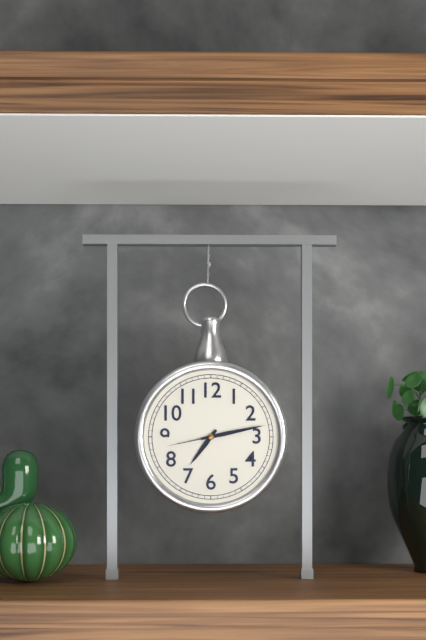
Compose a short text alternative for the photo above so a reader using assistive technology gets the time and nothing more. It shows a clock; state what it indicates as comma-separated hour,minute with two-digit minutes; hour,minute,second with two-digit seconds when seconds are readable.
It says 7,13,43
